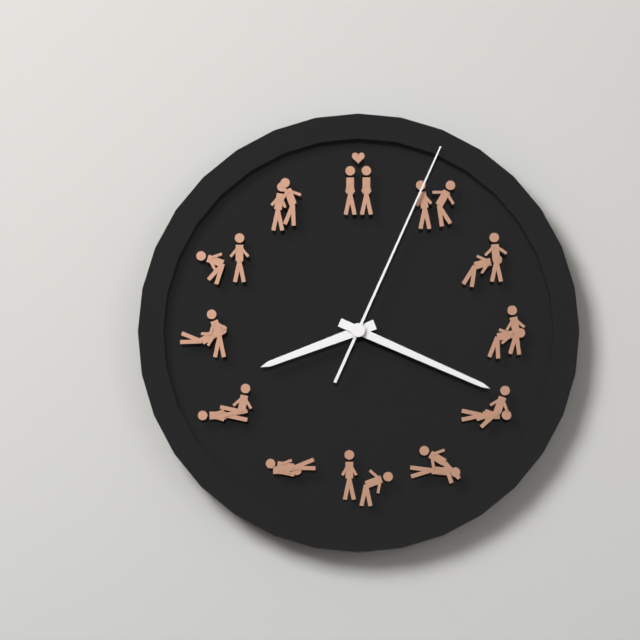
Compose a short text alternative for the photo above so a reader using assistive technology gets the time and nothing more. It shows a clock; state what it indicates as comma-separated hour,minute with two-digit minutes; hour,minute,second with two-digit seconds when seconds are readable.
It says 8,19,04
